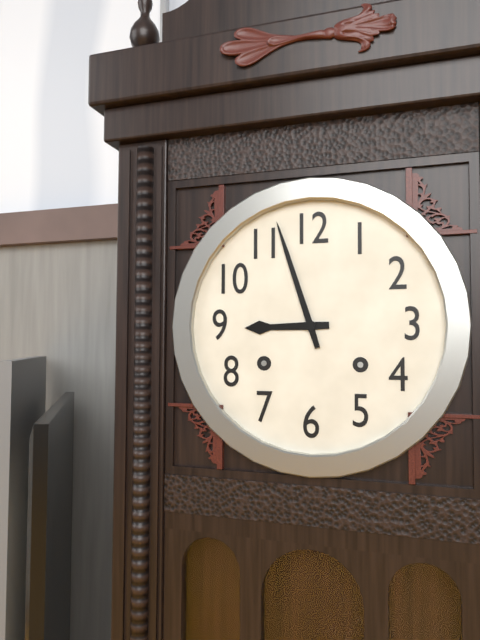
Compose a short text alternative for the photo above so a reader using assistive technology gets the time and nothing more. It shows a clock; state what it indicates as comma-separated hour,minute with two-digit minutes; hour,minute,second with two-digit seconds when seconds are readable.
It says 8,57
